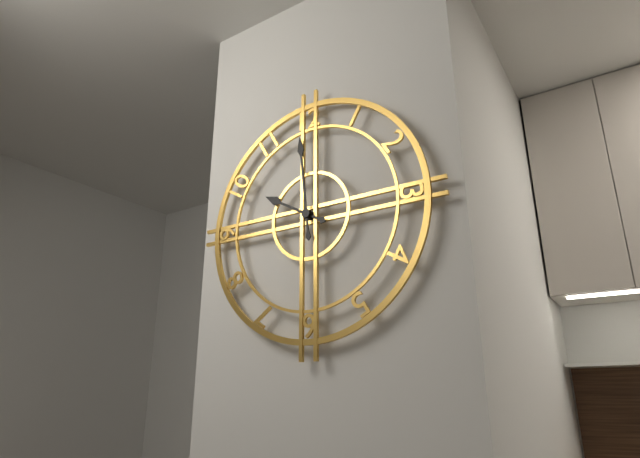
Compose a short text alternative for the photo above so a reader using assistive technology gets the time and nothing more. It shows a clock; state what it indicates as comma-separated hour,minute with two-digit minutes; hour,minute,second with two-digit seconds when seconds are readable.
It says 9,59
